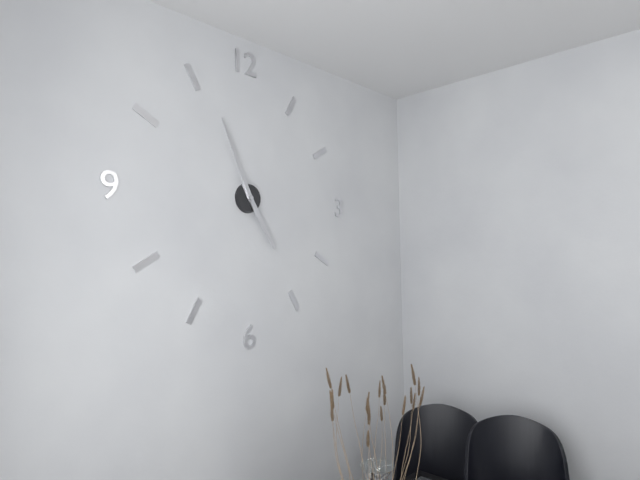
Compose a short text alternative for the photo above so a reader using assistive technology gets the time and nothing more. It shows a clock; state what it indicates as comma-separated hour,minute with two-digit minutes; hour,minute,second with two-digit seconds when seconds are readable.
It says 4,56
